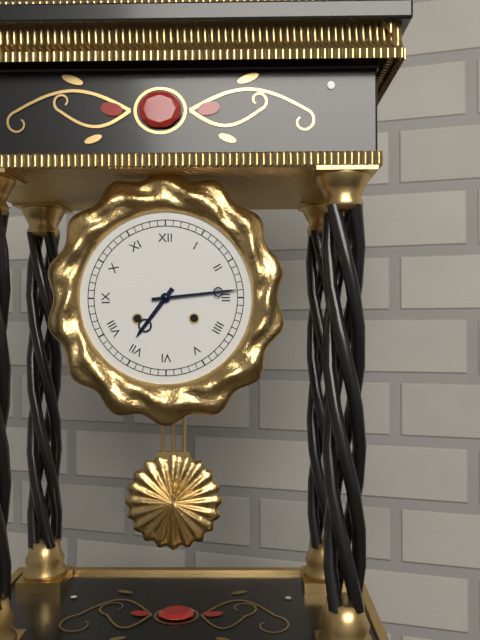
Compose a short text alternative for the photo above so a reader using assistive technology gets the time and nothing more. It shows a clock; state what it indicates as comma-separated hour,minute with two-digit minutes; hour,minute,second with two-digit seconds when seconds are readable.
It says 7,14
